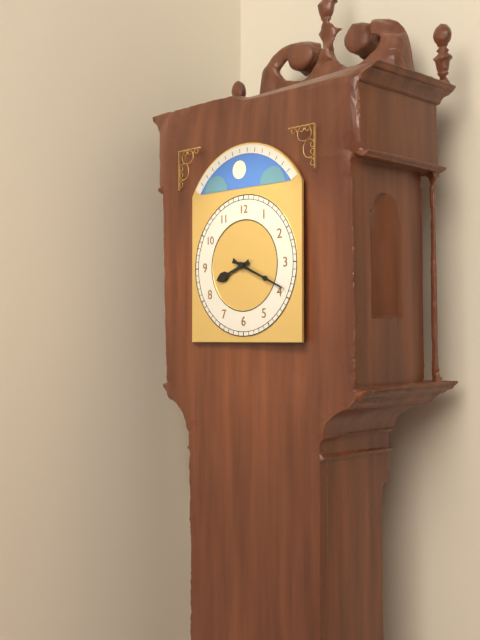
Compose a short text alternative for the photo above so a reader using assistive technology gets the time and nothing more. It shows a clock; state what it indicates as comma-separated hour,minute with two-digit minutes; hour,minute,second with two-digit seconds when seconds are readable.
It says 8,19
